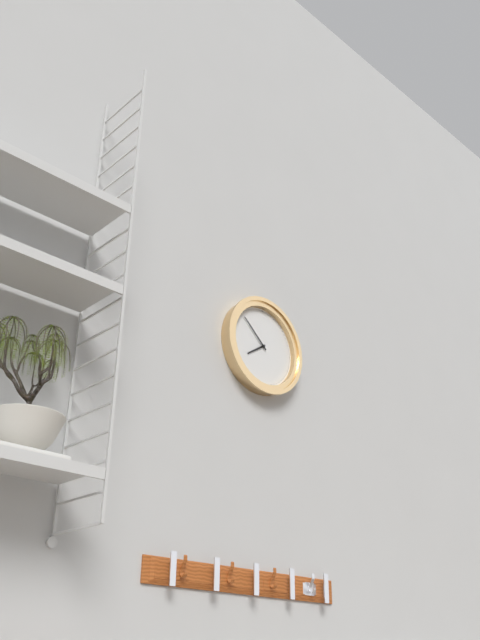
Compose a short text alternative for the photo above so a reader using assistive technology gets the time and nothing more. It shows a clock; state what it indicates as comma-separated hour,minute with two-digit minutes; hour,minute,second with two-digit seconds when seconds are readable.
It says 7,52
